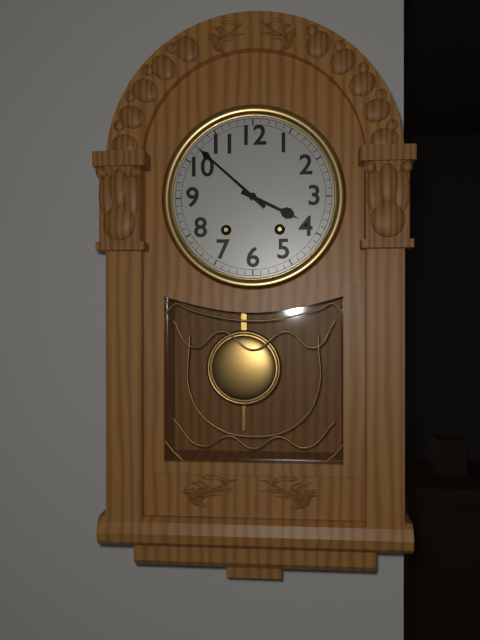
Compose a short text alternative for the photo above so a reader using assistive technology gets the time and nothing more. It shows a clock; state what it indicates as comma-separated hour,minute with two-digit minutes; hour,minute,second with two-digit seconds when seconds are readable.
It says 3,52
